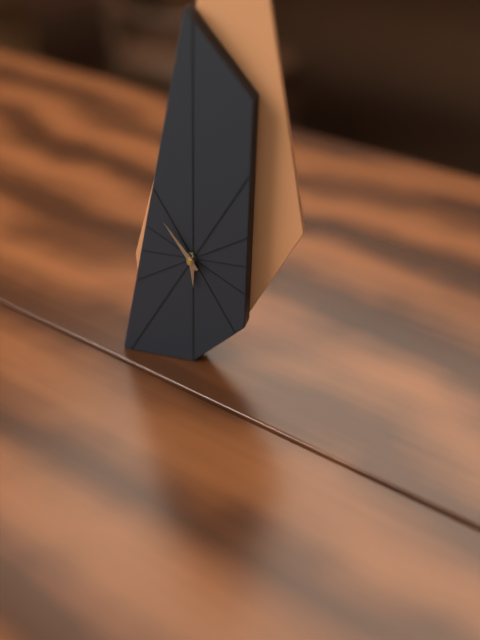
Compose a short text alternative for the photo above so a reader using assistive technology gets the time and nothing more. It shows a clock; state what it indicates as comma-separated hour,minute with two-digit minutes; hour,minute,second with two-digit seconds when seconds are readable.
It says 5,54
